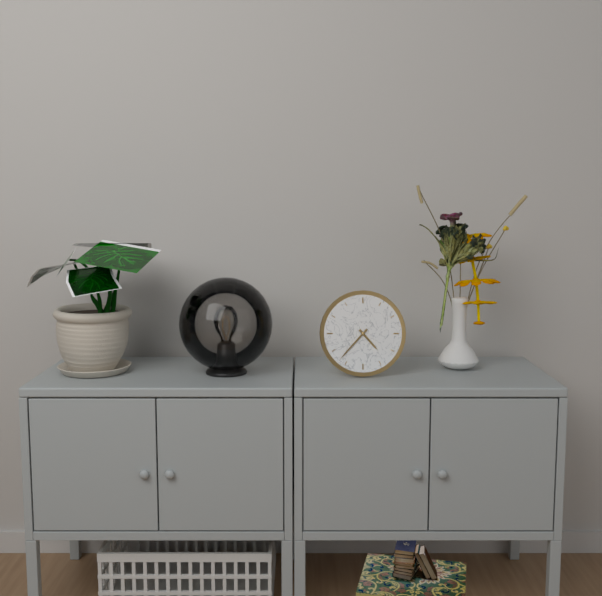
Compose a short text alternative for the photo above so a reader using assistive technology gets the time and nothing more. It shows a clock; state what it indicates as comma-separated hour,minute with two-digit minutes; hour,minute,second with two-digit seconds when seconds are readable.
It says 4,37
